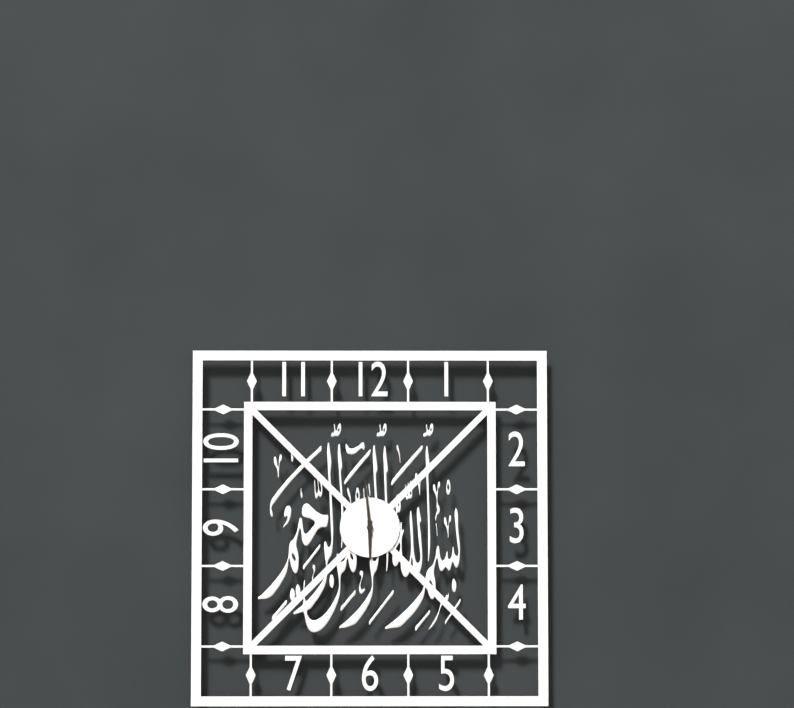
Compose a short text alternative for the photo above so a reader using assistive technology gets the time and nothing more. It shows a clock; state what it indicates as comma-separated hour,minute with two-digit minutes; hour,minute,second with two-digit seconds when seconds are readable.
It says 5,59
